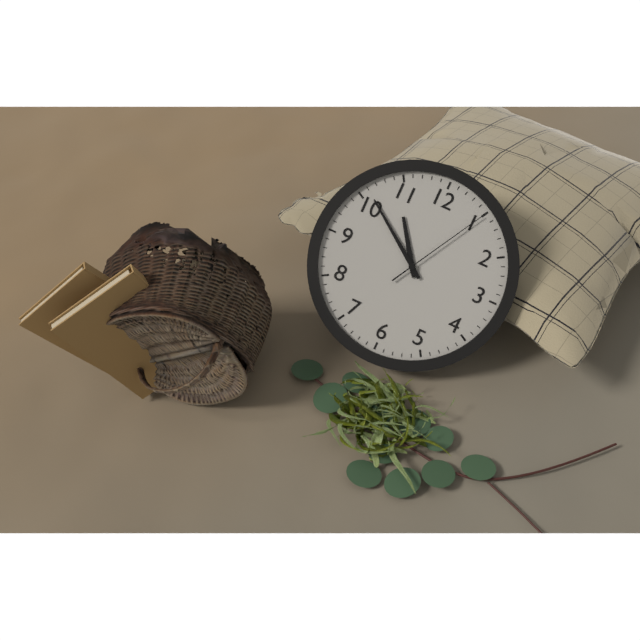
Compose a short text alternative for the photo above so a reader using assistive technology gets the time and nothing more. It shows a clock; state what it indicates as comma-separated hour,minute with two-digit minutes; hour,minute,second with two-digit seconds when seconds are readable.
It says 10,51,05
